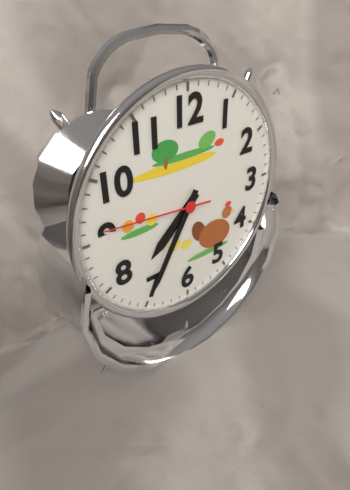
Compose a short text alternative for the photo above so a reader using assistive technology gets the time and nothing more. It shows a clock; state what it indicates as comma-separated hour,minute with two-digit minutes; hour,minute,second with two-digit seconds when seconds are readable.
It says 7,35,46
